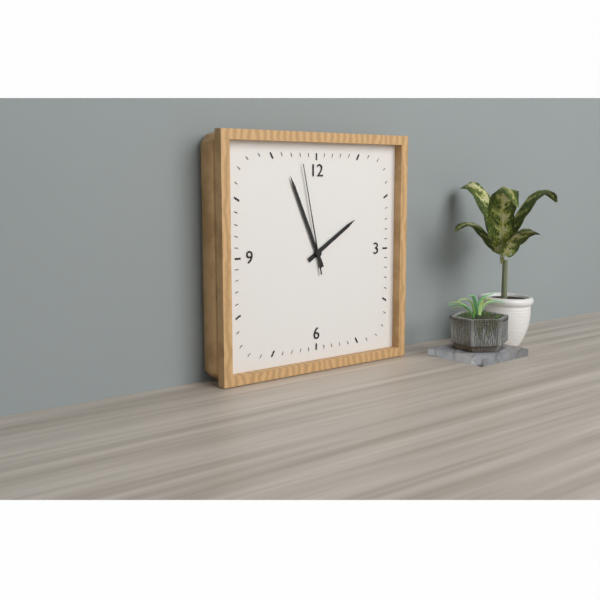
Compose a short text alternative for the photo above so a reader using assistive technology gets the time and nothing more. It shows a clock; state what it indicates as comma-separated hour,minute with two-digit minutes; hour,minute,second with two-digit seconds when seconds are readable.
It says 1,56,58
